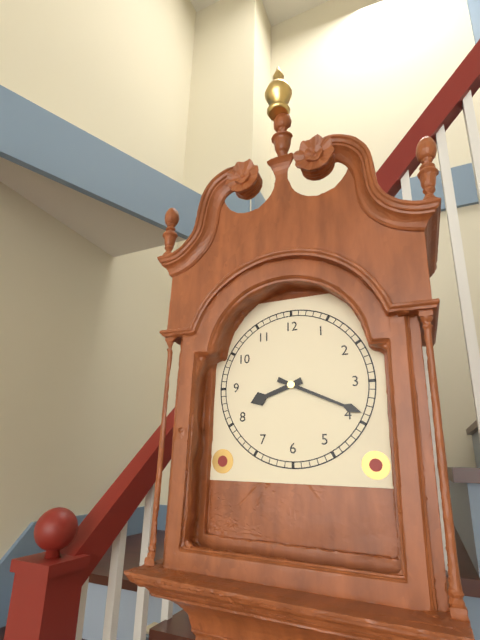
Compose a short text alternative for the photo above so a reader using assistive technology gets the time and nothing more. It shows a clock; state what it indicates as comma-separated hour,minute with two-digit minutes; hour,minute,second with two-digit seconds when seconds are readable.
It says 8,19
